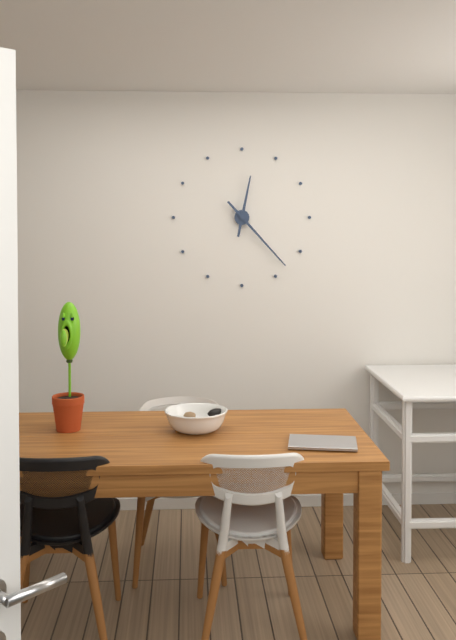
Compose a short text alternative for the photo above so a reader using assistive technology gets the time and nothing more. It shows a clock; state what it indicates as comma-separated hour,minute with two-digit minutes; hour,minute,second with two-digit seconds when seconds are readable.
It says 12,23
